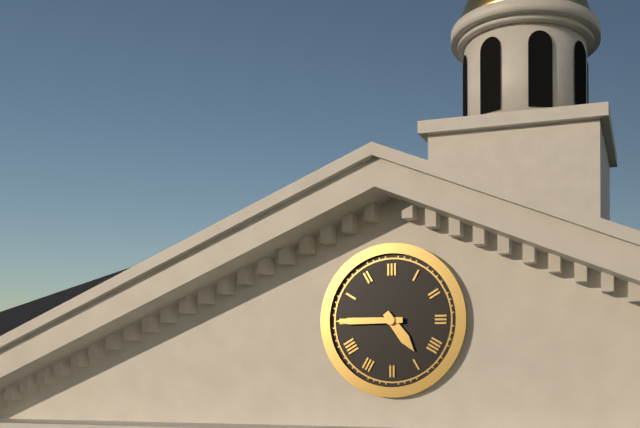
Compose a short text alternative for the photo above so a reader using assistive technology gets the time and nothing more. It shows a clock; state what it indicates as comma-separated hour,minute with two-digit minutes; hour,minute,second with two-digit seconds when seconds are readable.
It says 4,45
